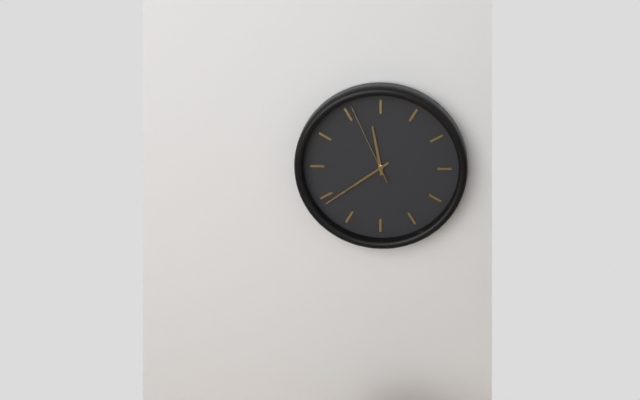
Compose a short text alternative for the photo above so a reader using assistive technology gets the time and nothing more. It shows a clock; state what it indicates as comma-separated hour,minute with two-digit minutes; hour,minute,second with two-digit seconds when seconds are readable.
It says 11,39,56
